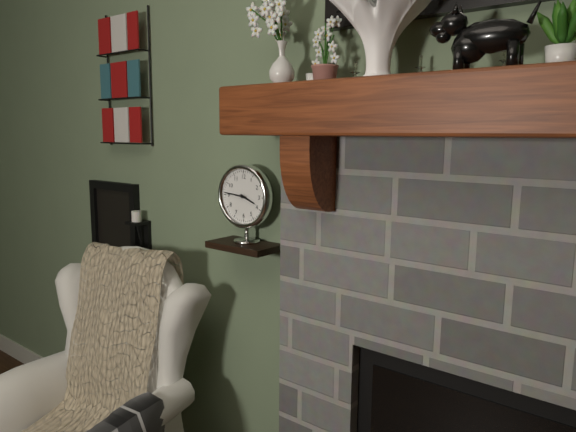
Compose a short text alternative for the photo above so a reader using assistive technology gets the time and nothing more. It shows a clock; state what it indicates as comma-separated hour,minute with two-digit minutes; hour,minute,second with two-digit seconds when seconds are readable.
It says 3,46
